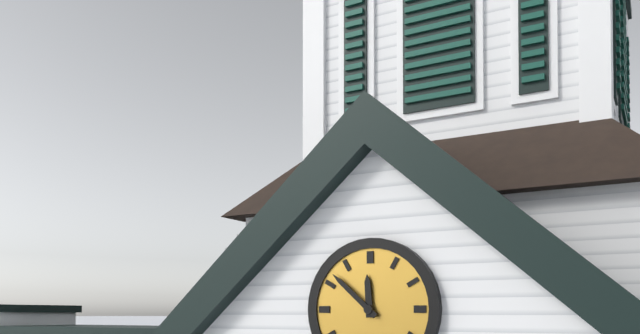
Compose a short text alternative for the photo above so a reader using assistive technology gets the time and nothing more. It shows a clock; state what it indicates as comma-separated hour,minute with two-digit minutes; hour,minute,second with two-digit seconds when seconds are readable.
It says 11,52
